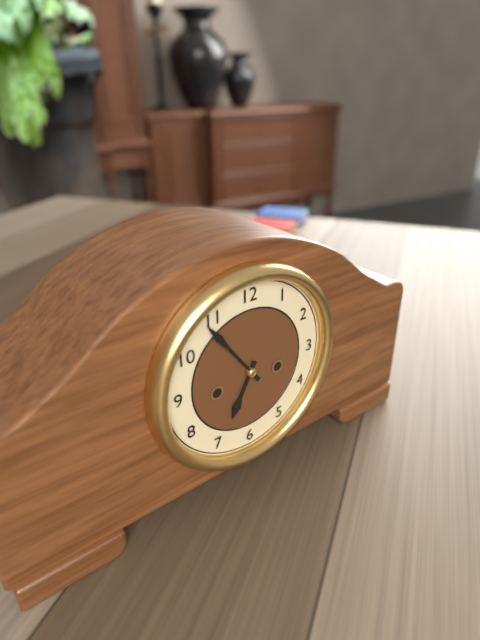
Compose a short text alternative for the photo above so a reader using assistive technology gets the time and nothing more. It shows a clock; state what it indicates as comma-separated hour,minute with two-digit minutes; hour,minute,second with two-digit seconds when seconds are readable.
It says 6,54
